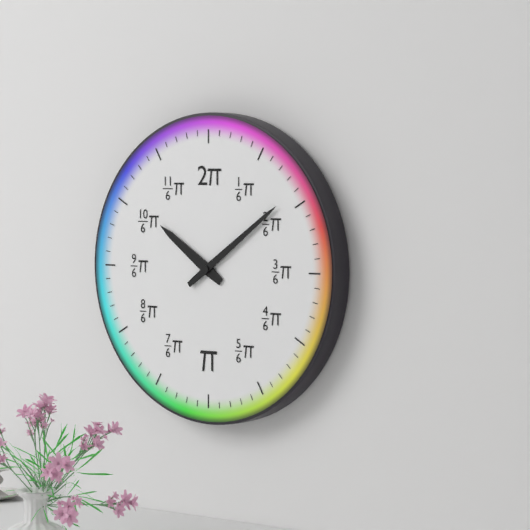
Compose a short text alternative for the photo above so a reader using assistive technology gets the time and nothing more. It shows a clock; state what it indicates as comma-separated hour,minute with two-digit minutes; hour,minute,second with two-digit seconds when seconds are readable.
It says 10,09
